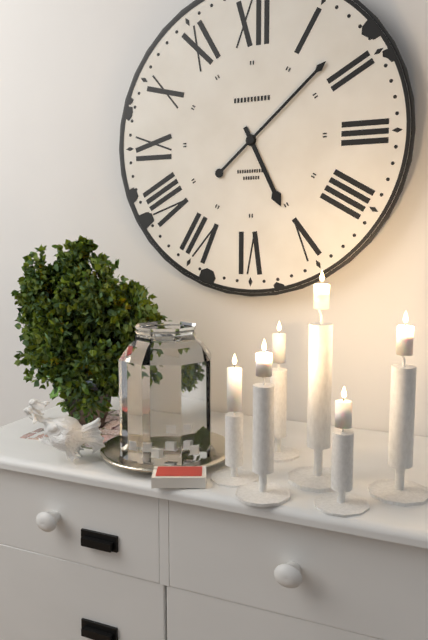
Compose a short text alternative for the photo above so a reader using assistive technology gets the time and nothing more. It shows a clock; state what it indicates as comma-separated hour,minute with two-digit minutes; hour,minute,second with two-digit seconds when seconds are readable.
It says 5,08
